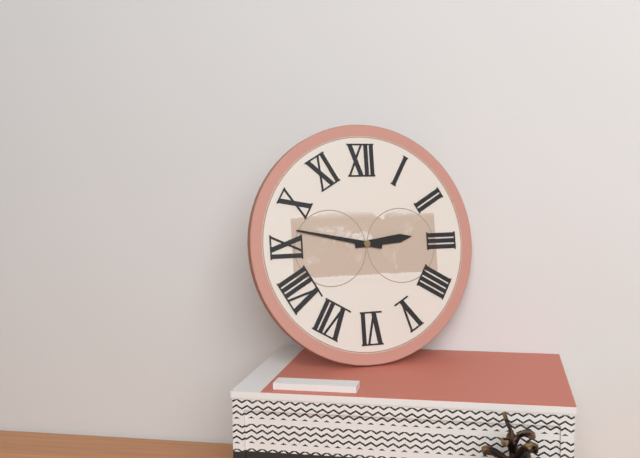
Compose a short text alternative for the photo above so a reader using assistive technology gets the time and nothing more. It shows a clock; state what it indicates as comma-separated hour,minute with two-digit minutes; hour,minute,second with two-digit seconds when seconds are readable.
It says 2,47
